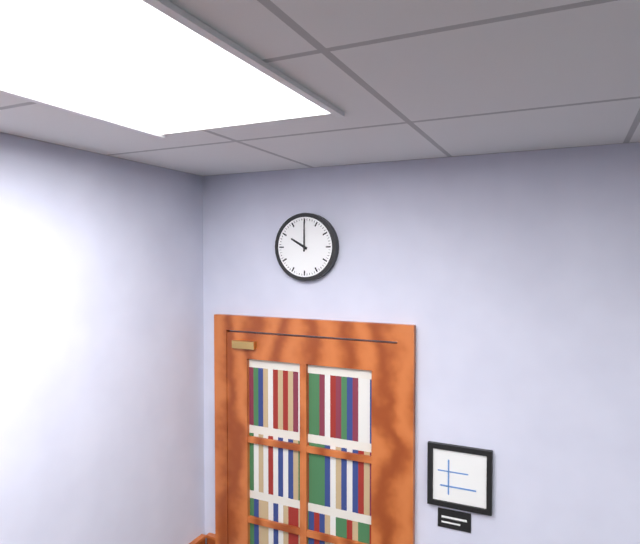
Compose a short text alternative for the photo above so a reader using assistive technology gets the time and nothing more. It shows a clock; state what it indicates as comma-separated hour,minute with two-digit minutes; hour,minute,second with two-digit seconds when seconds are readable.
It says 10,00
